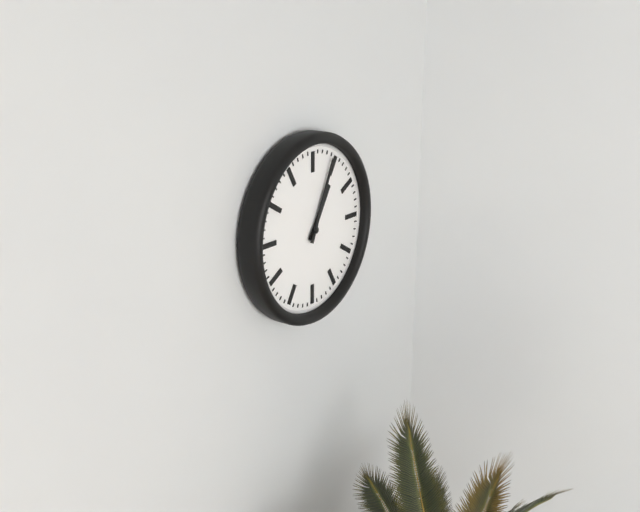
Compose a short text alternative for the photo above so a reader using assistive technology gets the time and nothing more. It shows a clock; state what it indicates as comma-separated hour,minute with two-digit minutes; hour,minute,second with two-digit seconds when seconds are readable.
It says 1,04
